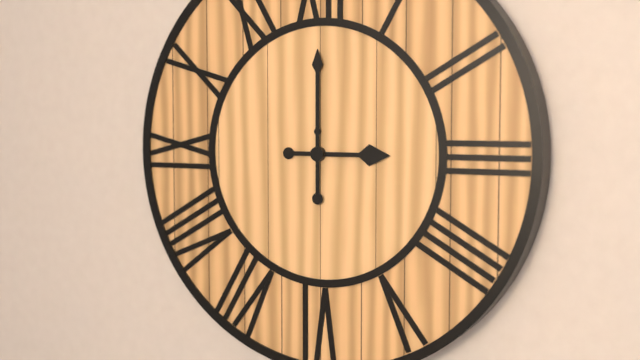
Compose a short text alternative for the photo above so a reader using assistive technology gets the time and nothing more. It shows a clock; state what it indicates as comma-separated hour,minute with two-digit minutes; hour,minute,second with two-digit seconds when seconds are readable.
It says 3,00
